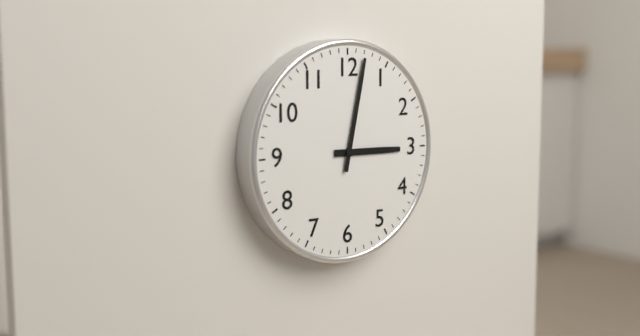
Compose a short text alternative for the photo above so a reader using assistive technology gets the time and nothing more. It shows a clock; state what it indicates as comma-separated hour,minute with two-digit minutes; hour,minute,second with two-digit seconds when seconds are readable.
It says 3,02
